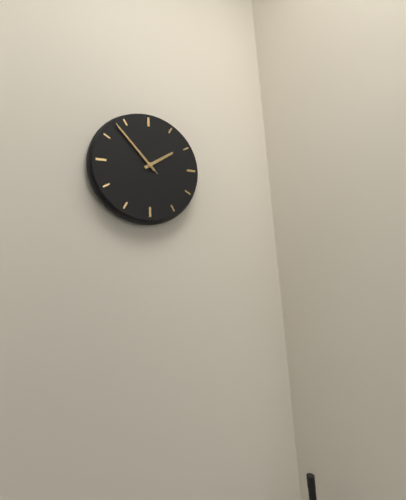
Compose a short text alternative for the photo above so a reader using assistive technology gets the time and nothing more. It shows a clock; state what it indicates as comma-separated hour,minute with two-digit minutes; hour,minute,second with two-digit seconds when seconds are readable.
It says 1,53,53
